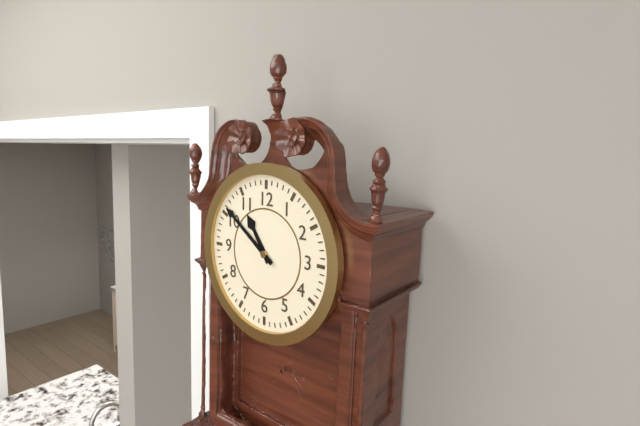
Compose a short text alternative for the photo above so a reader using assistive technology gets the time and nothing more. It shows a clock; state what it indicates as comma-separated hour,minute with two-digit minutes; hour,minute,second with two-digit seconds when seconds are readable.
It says 10,51
